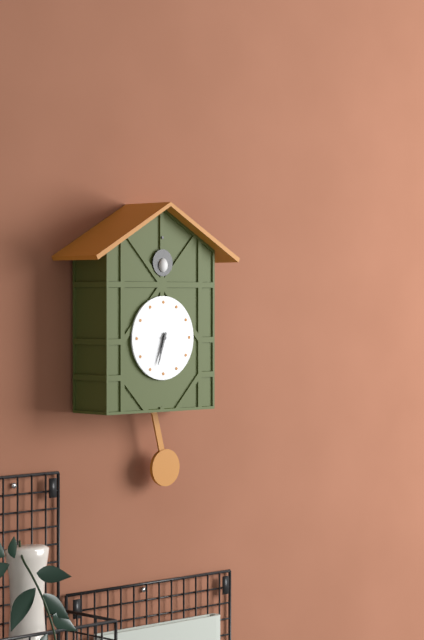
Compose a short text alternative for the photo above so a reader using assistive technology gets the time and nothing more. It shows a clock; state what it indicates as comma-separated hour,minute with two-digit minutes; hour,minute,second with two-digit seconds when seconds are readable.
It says 6,33
